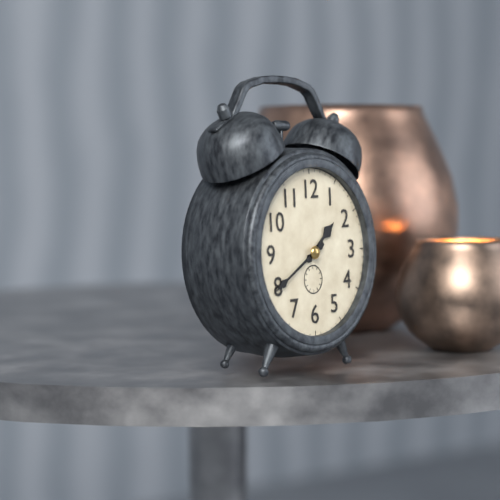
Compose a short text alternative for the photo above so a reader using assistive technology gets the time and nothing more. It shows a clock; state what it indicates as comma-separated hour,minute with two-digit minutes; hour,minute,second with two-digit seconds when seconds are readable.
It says 1,40
